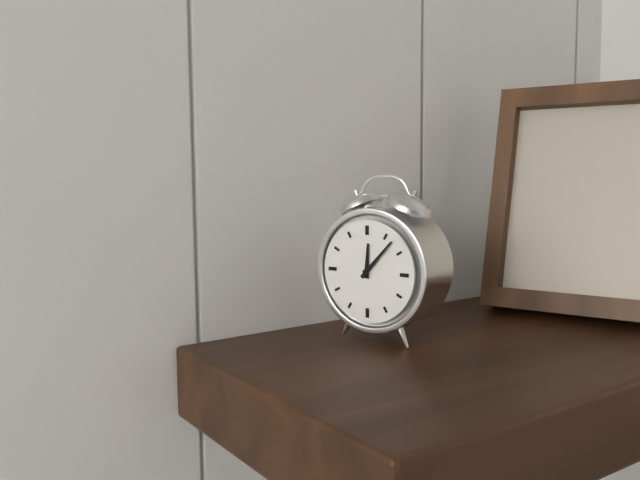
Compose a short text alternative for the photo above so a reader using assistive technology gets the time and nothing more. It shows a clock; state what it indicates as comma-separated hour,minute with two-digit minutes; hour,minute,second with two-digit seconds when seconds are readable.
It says 12,07
